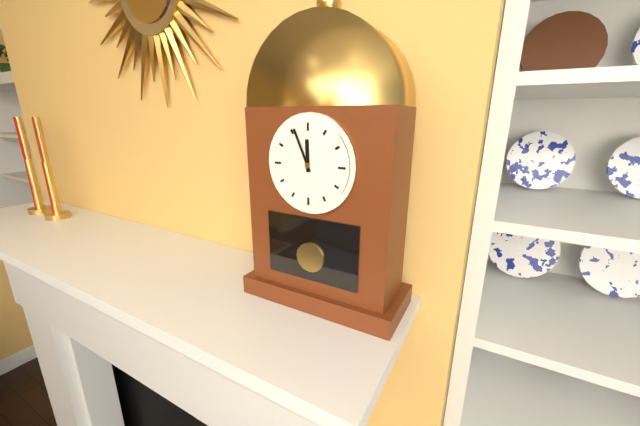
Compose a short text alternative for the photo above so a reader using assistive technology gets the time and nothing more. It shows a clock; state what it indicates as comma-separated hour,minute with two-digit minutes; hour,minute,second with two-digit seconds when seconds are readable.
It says 11,56
